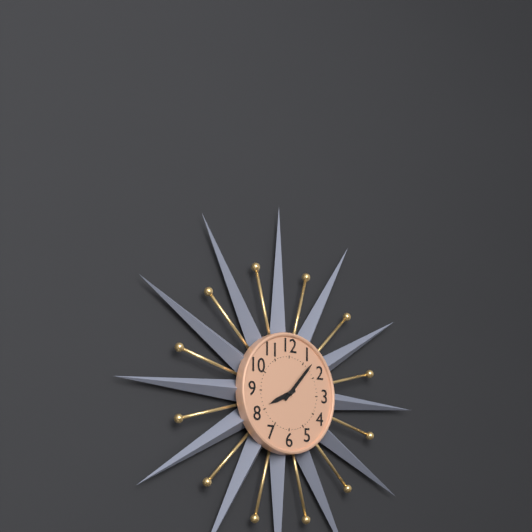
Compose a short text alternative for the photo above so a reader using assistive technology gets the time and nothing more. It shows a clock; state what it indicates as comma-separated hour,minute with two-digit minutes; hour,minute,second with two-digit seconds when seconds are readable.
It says 8,07
